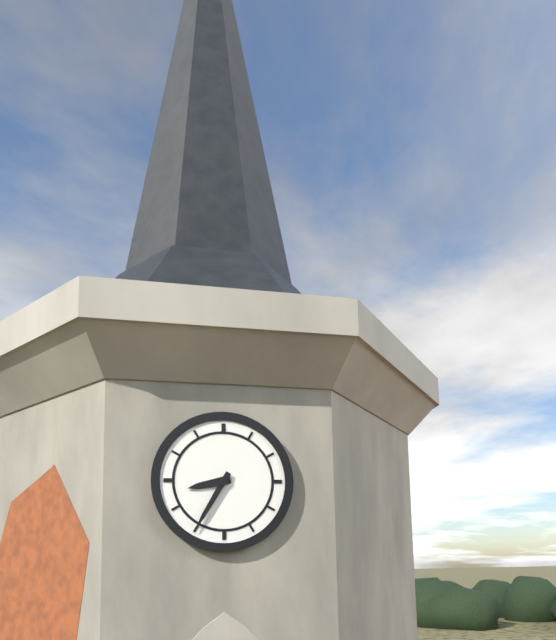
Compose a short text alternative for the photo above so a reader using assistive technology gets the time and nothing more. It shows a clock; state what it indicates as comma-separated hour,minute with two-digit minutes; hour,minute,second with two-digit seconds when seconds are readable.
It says 8,35
